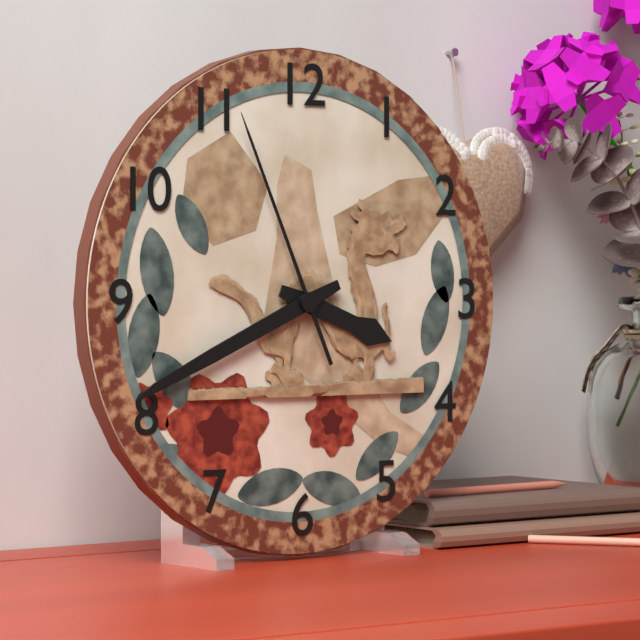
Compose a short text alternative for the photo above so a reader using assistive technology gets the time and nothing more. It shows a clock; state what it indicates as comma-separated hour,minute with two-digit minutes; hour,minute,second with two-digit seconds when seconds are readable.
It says 3,41,56
